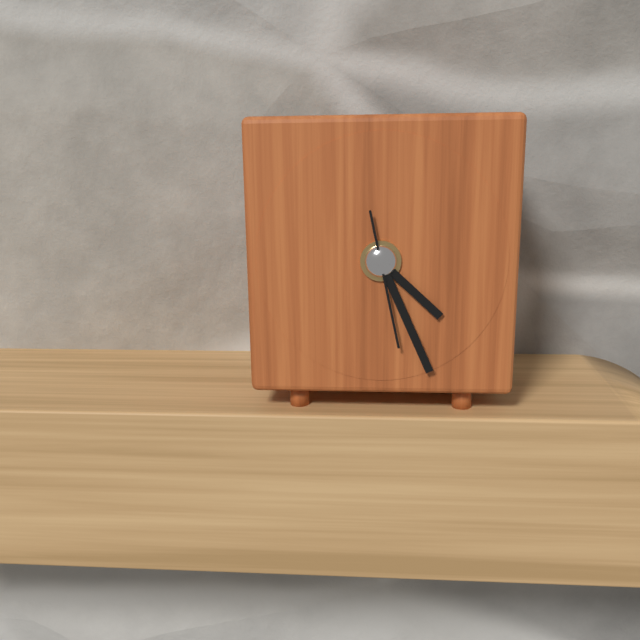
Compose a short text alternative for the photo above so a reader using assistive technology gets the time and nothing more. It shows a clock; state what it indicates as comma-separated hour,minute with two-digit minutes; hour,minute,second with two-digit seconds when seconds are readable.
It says 4,26,28
